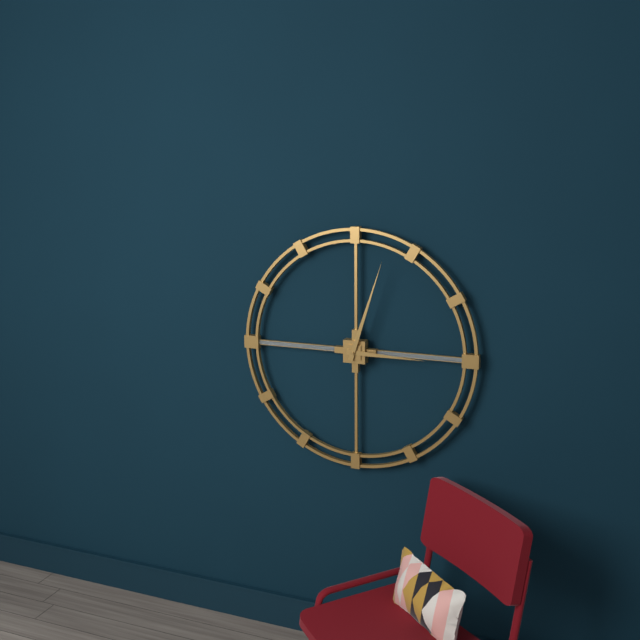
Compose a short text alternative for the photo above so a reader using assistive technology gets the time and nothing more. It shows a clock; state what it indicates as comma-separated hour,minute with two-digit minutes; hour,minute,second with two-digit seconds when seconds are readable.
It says 3,03
